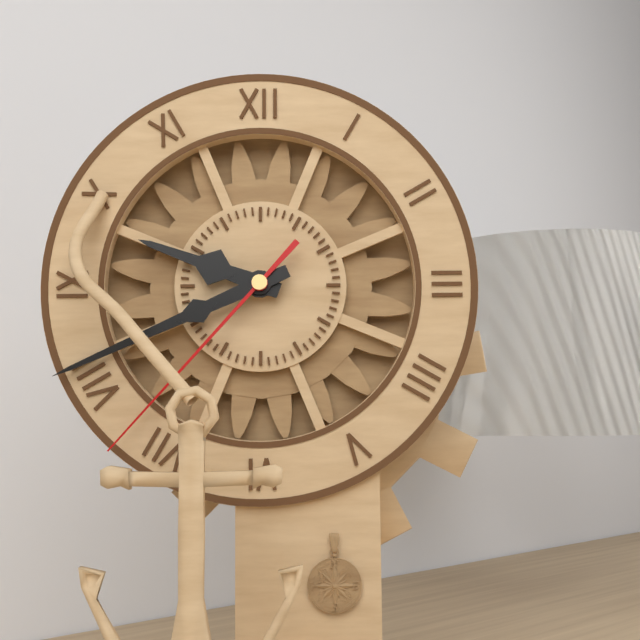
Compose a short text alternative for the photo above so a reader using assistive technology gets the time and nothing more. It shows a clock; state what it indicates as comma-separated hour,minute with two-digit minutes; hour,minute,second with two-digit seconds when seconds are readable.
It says 9,41,37
